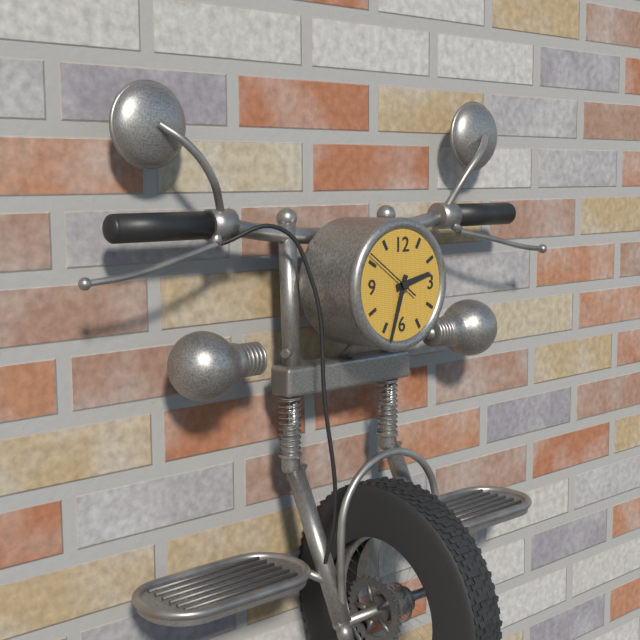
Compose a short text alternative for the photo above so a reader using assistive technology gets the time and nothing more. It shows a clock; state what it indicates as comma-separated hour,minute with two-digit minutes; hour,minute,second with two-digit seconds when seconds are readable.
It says 2,33,51
